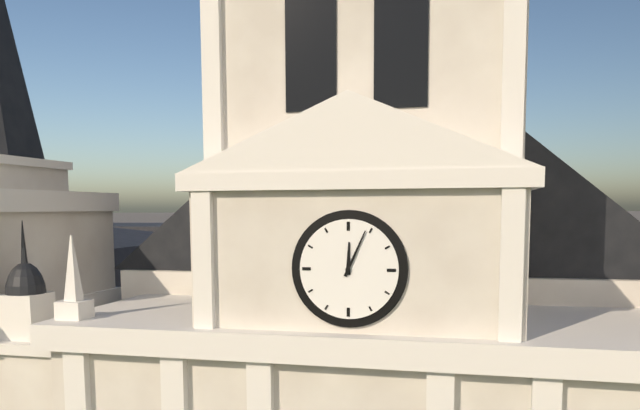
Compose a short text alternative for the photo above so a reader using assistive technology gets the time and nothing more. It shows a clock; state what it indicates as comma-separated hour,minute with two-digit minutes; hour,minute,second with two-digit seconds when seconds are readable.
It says 12,04
